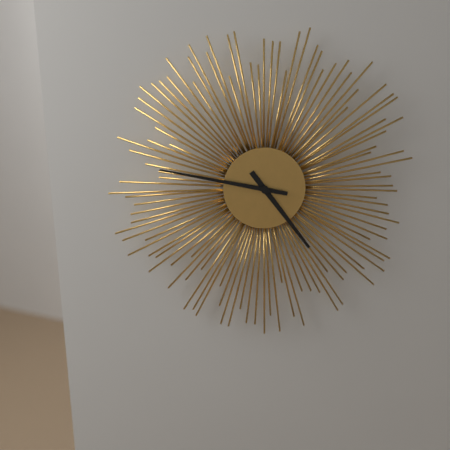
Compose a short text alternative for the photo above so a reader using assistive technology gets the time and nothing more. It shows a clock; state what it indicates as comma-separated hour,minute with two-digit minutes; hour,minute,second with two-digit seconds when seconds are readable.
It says 4,47
